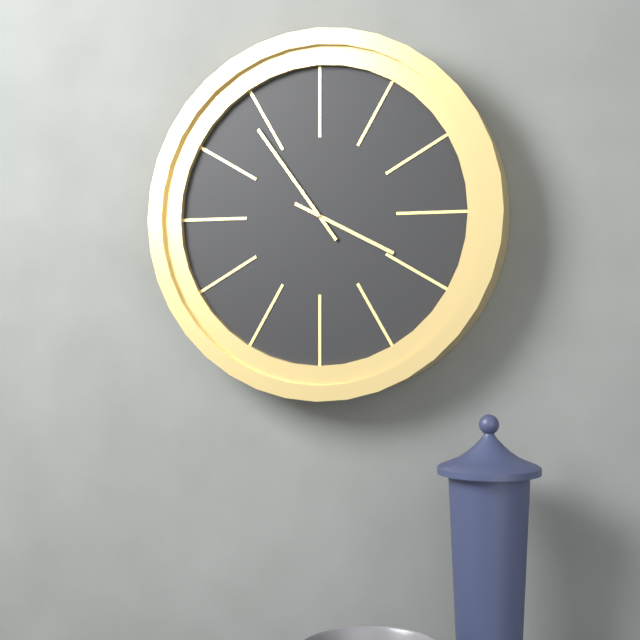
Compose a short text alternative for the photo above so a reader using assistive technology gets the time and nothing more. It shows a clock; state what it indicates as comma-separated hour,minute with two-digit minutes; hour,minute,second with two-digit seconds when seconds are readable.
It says 3,54
